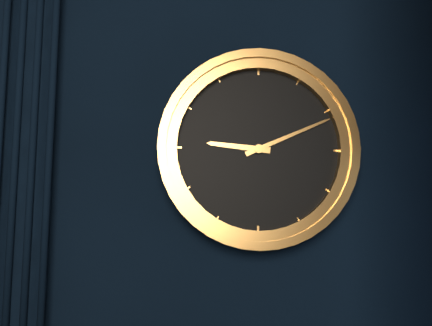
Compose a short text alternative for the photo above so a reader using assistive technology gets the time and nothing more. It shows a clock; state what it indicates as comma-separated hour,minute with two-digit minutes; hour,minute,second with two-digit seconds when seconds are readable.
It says 9,11
